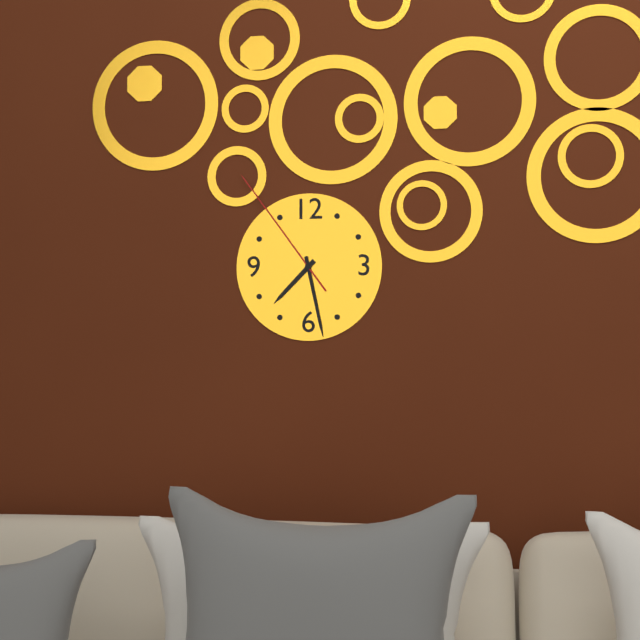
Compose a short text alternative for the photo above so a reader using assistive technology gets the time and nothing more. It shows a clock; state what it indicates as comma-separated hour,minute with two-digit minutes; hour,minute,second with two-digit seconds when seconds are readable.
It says 7,28,54
